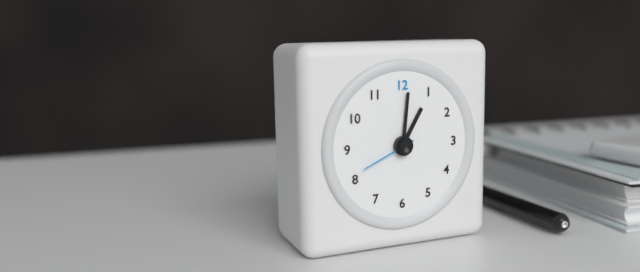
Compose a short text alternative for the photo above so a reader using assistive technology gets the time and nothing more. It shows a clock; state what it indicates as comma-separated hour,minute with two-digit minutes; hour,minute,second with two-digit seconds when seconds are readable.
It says 1,01,41
